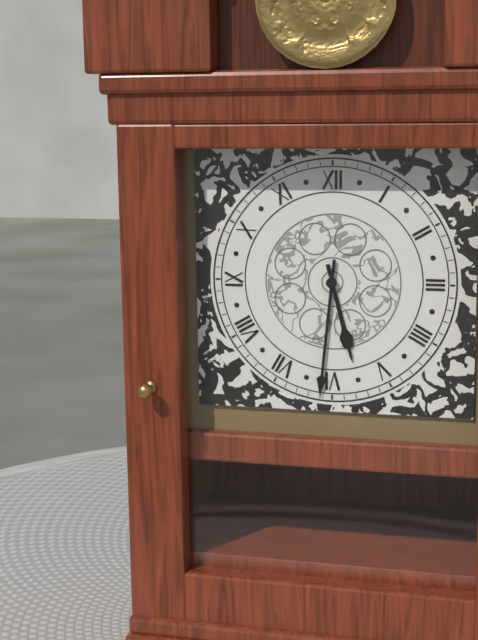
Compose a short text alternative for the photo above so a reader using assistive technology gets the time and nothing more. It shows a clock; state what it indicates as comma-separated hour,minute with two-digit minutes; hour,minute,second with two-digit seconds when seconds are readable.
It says 5,31
